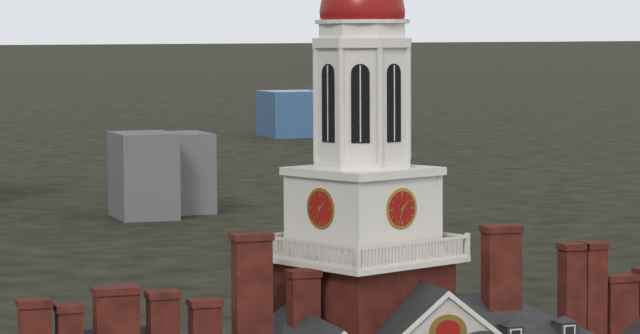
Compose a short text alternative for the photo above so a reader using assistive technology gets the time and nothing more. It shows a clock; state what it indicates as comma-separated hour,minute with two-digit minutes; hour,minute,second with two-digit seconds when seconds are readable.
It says 1,33
